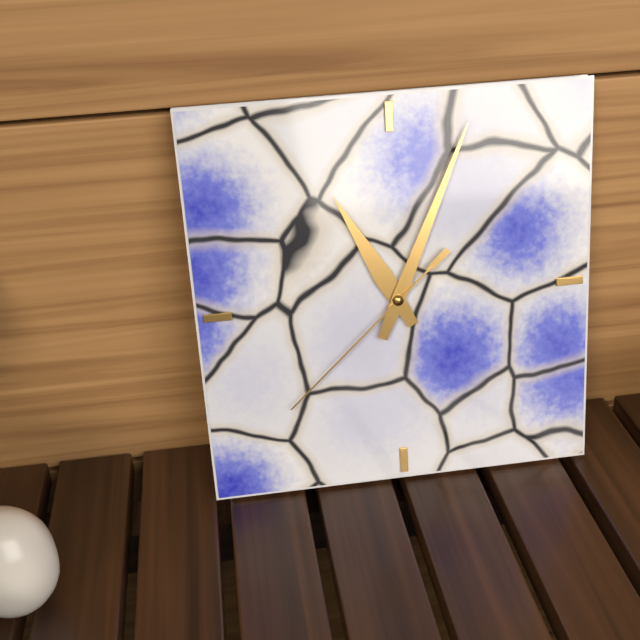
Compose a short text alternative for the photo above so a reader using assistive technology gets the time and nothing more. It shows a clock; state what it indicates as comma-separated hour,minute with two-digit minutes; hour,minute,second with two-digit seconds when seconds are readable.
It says 11,04,38
